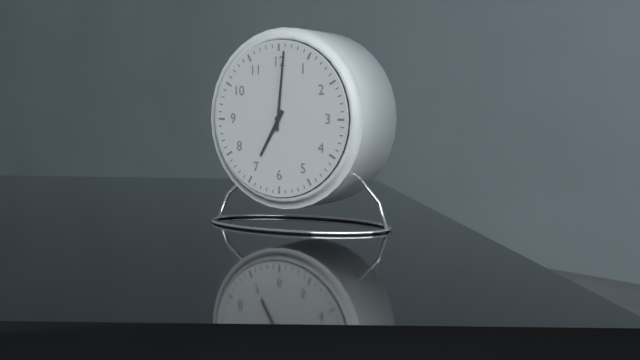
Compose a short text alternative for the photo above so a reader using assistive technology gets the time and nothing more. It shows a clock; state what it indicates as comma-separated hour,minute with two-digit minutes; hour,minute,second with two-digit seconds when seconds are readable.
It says 7,01
